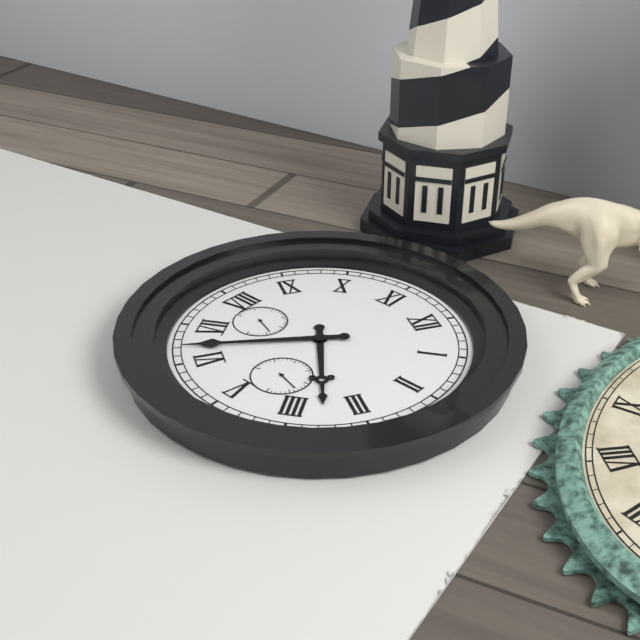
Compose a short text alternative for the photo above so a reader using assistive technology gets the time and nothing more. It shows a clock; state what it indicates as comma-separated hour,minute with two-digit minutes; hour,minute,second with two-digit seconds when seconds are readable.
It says 3,32
